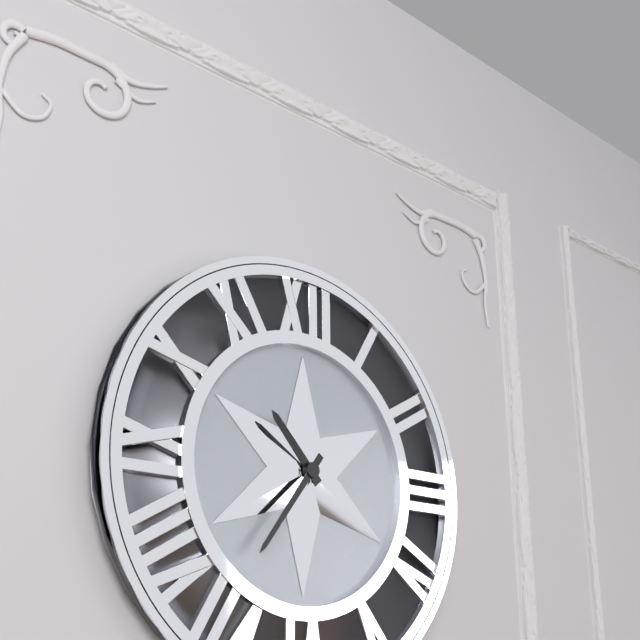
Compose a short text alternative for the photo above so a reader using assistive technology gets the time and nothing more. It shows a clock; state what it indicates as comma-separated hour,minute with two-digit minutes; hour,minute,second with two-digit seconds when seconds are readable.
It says 10,36
